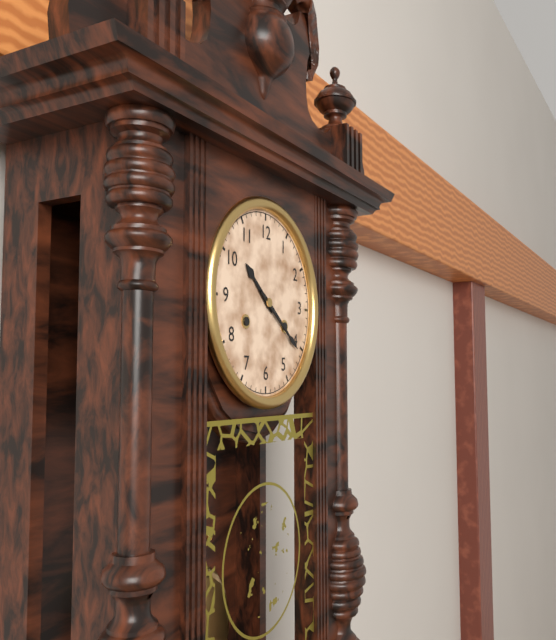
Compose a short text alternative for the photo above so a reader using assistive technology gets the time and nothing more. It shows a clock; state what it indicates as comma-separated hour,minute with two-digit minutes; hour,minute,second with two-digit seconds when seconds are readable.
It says 10,21
